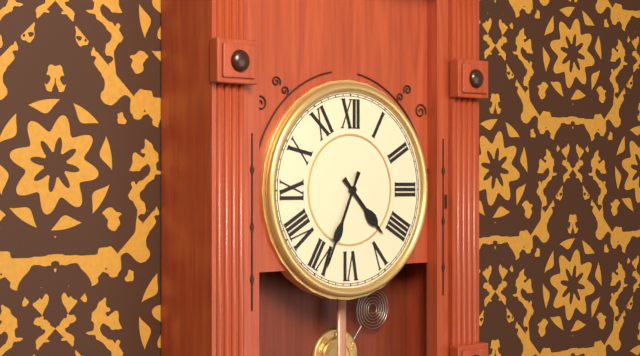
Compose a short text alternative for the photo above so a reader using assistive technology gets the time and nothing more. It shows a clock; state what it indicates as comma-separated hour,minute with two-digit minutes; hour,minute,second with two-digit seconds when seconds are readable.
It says 4,34
